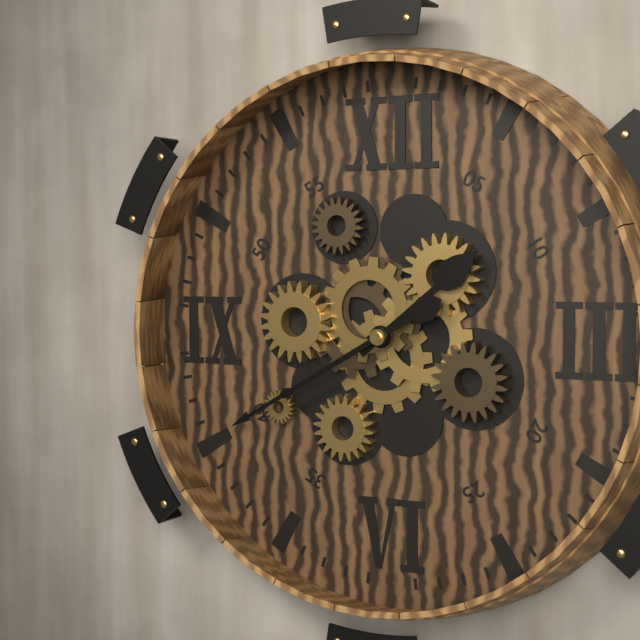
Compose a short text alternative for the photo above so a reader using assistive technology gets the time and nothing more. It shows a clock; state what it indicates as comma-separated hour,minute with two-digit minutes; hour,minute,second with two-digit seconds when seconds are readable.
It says 1,40
